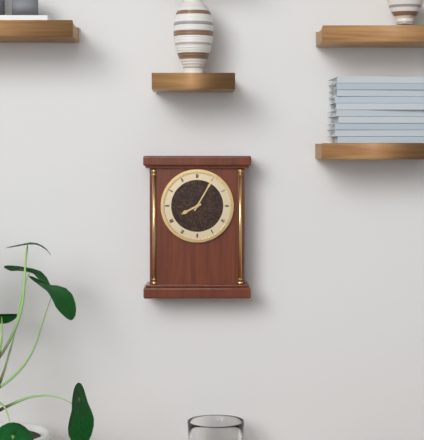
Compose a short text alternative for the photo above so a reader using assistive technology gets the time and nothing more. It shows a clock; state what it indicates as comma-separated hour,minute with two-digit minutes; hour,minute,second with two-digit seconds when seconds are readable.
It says 8,05
